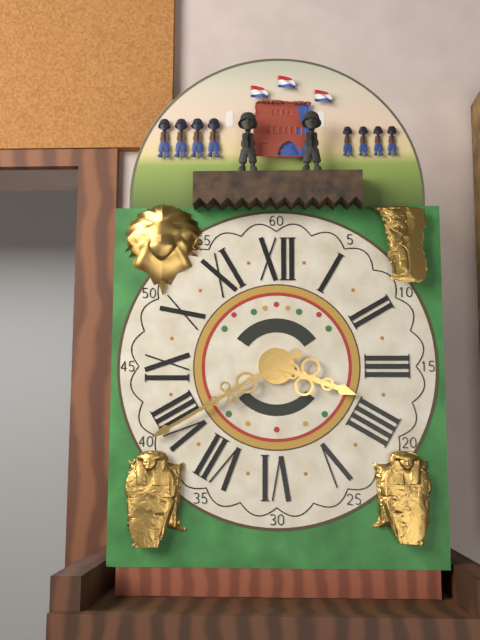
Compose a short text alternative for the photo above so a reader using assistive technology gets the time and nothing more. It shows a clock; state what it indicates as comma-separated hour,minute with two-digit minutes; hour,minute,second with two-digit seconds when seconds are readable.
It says 3,40
